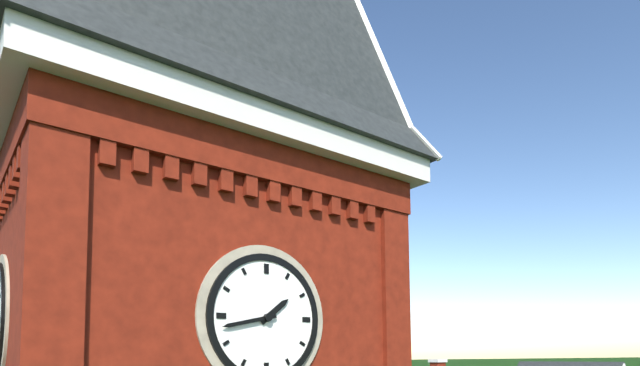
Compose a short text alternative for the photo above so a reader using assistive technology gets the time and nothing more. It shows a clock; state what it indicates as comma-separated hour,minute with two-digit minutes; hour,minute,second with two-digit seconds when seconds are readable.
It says 1,43
